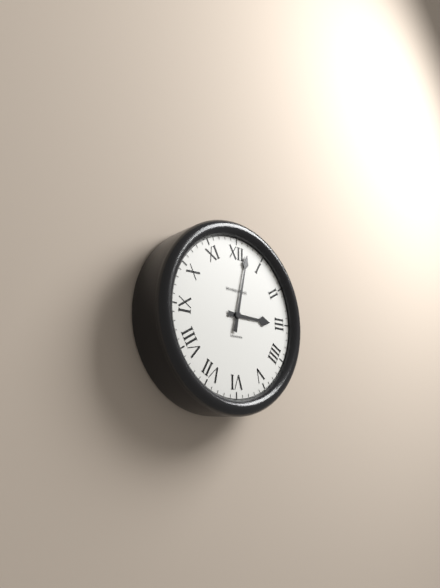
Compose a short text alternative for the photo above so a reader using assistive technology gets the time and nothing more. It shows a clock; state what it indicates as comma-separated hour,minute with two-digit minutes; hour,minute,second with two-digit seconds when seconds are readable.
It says 3,02
